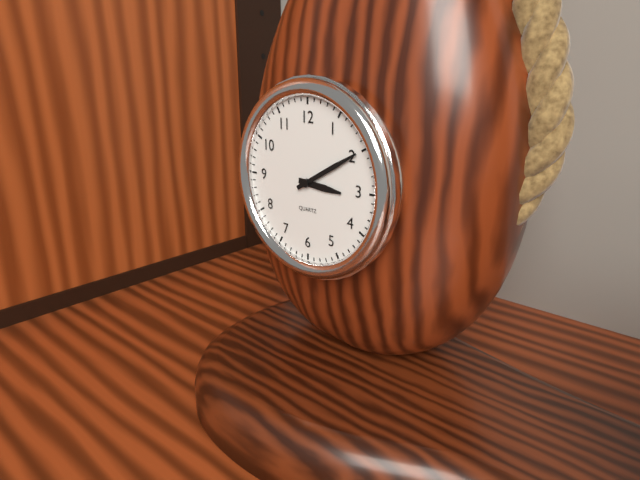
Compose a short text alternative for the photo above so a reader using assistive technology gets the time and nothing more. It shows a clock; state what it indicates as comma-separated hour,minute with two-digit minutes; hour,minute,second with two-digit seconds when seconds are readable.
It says 3,10
